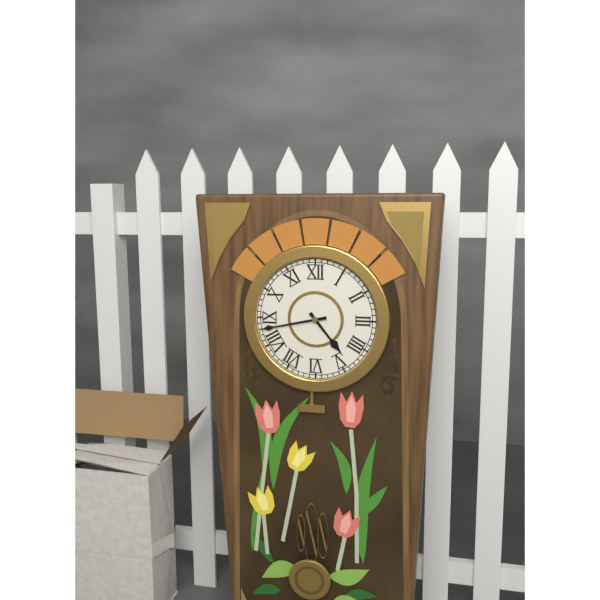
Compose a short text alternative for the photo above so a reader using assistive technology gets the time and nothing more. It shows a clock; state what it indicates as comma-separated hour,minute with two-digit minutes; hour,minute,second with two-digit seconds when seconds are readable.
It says 4,43
